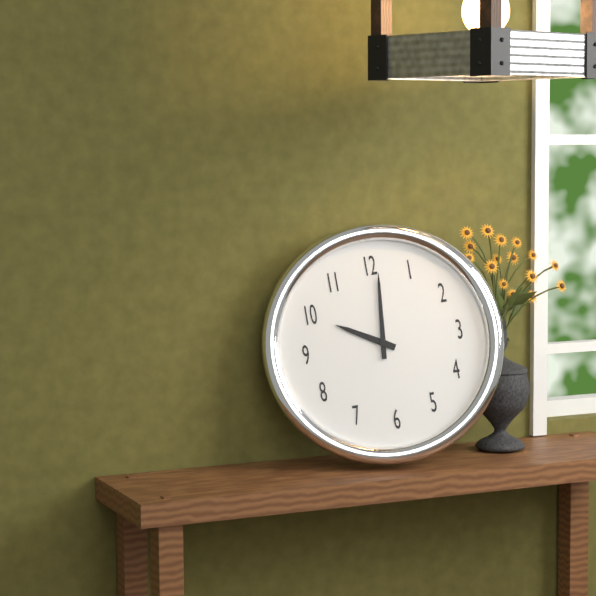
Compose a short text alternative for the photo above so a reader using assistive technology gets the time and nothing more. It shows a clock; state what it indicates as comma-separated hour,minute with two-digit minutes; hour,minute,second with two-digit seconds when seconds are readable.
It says 10,01
